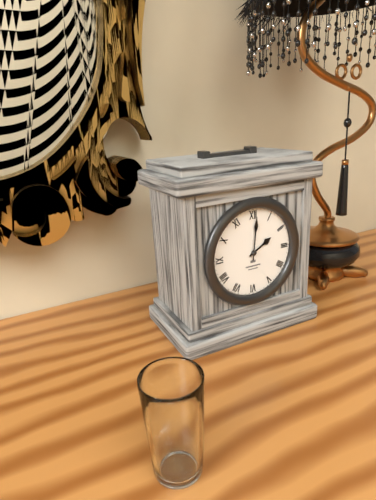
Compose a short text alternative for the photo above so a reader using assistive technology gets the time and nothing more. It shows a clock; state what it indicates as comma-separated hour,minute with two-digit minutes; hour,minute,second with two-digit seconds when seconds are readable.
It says 2,01
